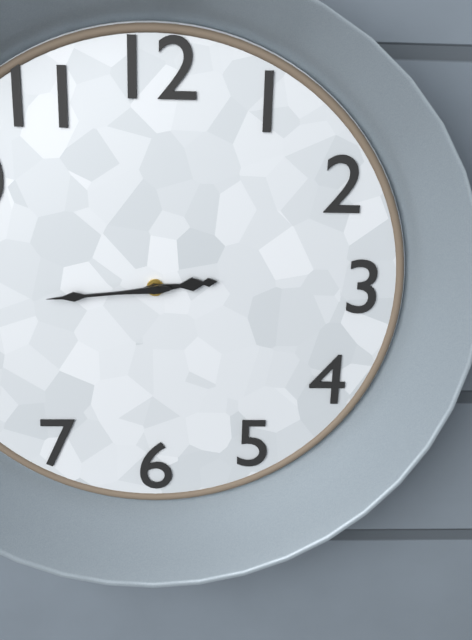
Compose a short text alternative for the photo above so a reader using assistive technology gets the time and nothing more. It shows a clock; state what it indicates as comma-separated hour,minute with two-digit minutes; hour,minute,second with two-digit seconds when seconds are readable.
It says 2,44
